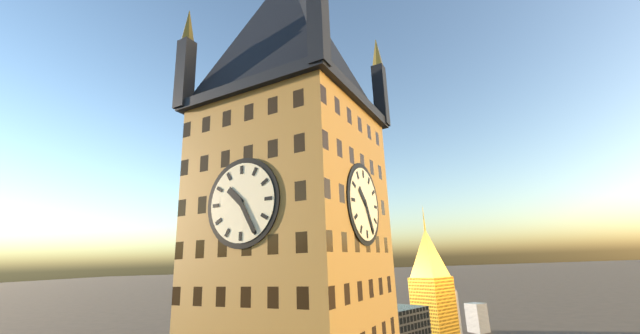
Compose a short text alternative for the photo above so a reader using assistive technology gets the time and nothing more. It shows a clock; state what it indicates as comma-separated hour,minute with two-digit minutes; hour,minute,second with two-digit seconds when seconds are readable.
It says 10,25
